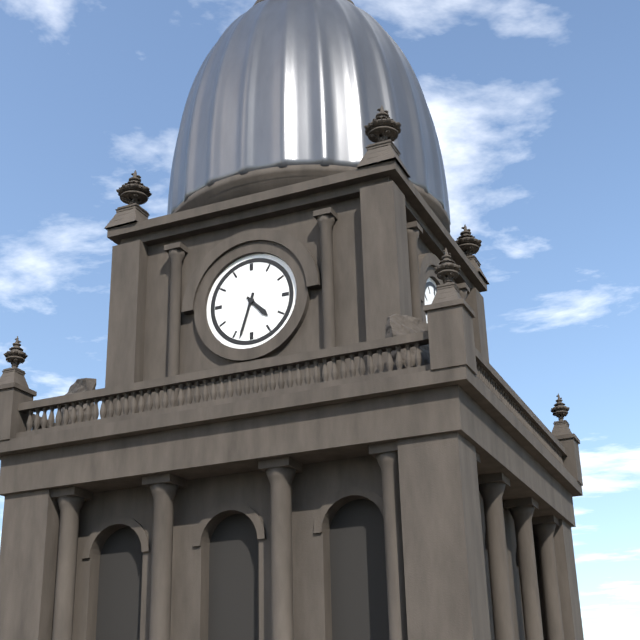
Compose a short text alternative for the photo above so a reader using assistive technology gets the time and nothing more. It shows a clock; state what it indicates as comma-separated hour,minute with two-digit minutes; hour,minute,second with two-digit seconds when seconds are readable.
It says 4,33
